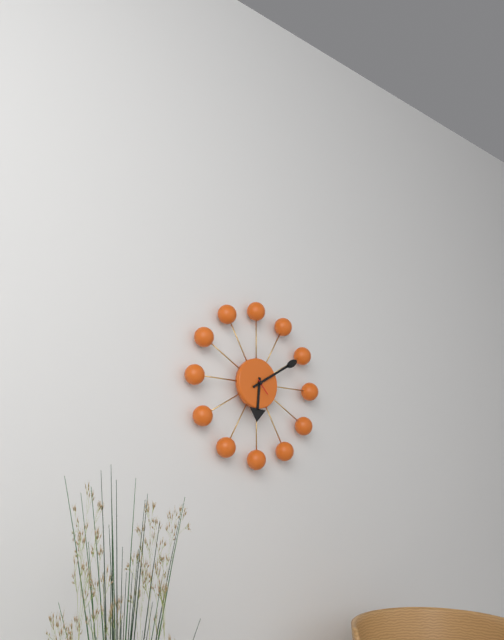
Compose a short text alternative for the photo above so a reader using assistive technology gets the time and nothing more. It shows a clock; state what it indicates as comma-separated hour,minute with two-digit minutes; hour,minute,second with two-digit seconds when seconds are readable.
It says 6,10
